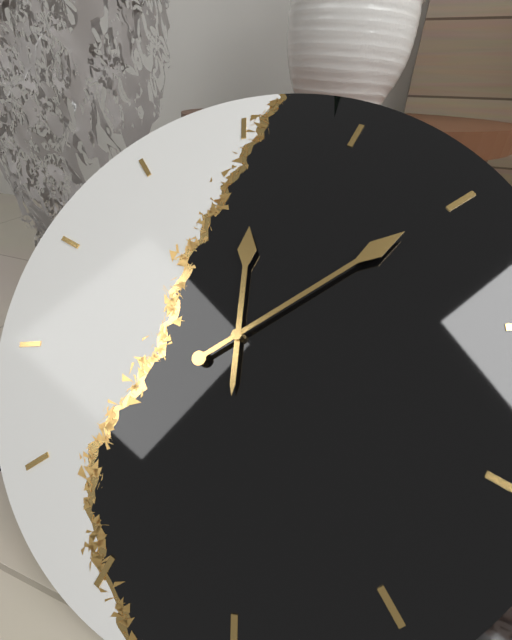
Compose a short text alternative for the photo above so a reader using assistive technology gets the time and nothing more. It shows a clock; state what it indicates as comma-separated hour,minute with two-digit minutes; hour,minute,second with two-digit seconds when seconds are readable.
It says 12,10
